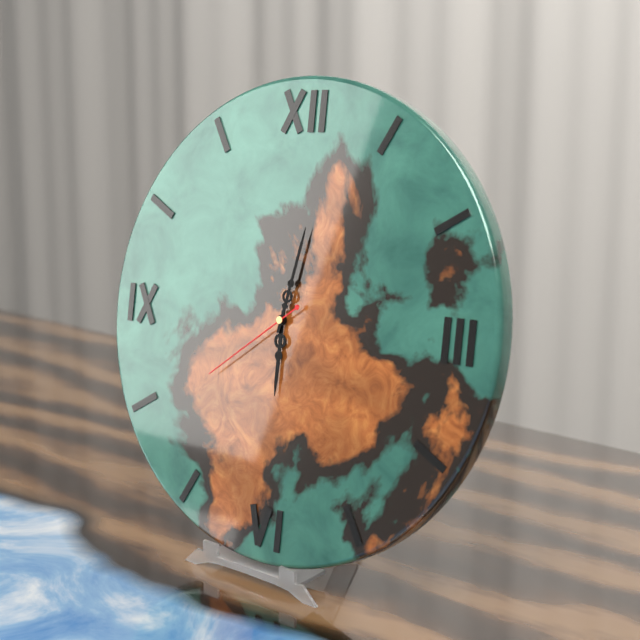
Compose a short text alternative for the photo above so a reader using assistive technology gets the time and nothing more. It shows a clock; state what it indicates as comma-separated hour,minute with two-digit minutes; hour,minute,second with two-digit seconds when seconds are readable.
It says 6,02,39
